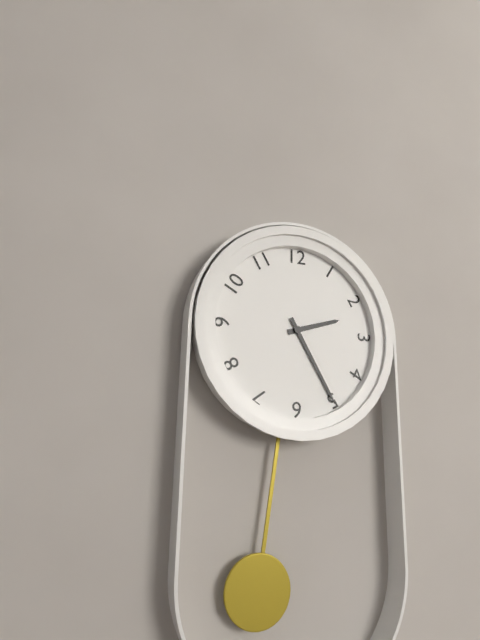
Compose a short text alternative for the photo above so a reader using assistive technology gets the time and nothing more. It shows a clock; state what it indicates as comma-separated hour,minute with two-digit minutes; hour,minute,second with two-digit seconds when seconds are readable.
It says 2,25
